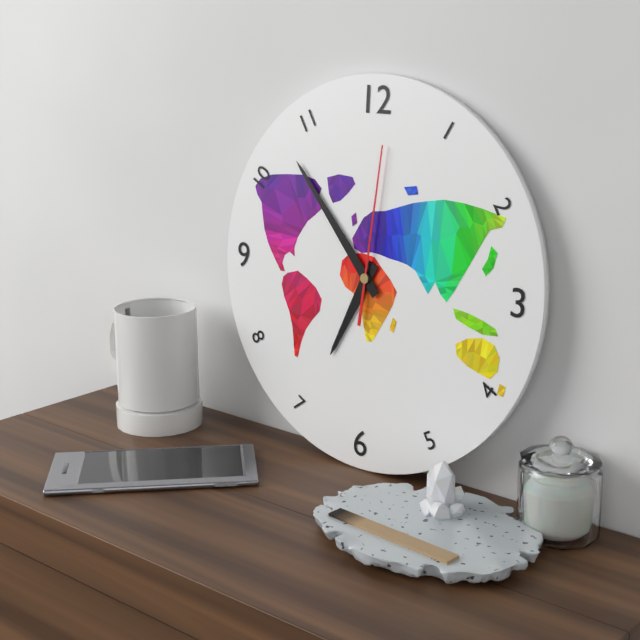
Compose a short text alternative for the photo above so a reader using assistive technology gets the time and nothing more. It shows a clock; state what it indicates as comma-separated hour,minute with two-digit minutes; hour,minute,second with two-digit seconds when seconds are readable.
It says 6,53,01
